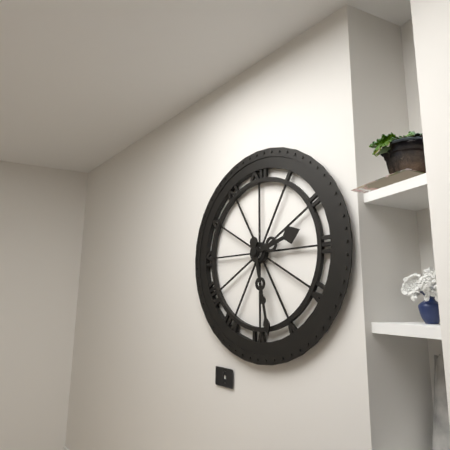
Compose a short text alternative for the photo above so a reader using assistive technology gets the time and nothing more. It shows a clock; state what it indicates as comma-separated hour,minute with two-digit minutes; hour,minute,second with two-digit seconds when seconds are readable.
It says 2,28
